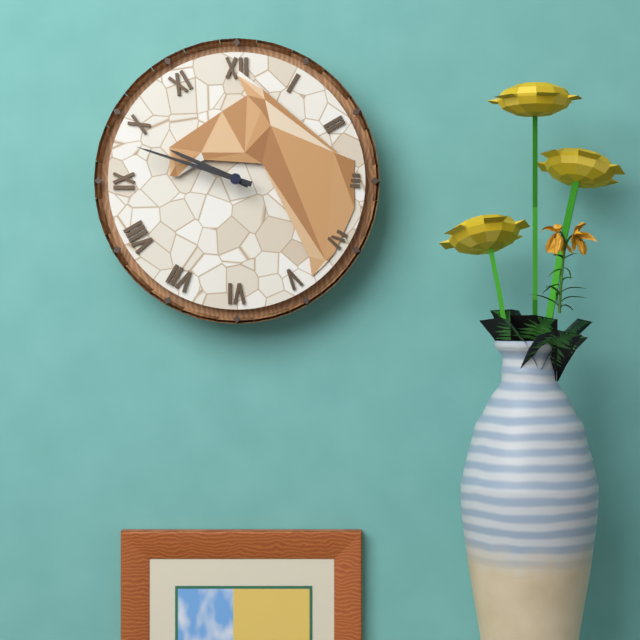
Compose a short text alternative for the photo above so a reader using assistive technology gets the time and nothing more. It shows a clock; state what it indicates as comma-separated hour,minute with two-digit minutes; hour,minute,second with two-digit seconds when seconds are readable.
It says 9,48
